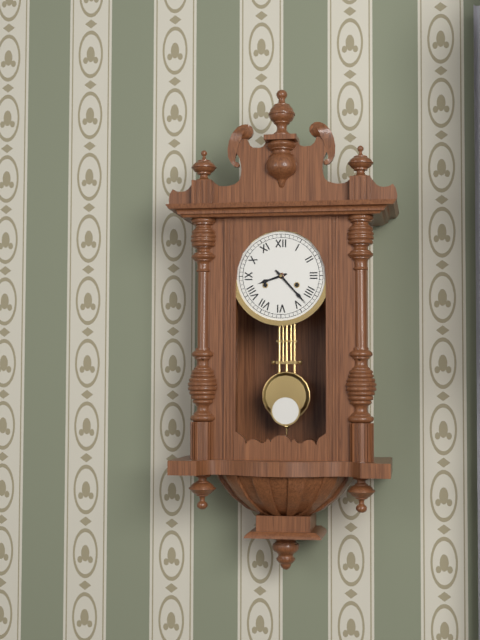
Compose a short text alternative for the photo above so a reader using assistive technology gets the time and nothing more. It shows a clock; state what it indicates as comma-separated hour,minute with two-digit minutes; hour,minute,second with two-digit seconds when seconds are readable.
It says 8,23
